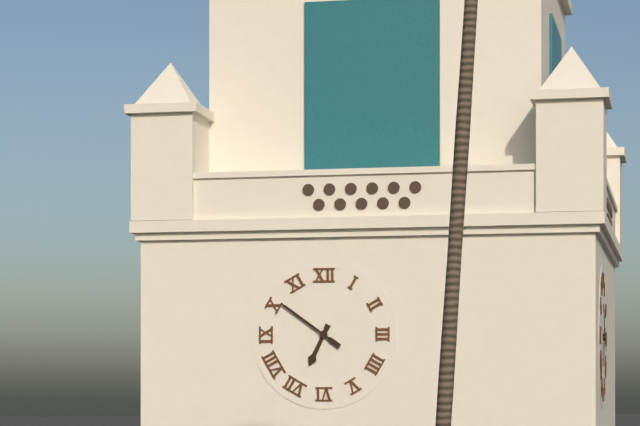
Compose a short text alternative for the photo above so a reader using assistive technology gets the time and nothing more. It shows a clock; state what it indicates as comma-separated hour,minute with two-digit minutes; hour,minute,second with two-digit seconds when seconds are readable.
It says 6,51
